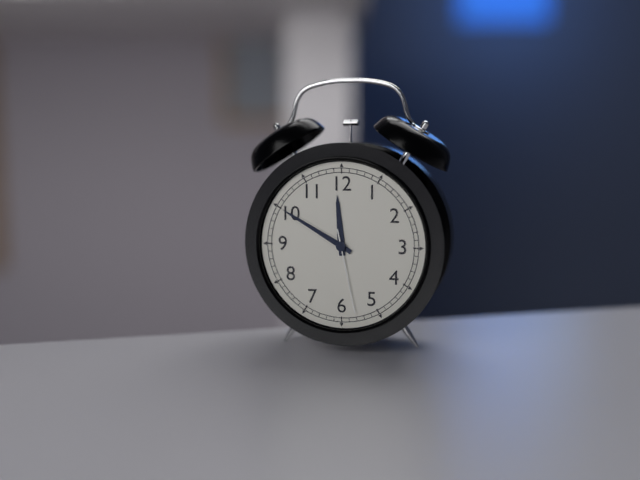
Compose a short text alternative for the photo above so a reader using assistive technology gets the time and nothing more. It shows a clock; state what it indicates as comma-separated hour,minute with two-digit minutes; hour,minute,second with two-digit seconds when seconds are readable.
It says 11,50,28
